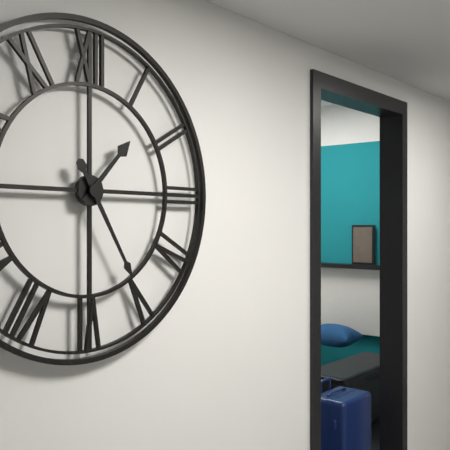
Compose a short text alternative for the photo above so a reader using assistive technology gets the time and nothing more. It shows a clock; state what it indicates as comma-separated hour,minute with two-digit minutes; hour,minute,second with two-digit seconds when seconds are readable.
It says 1,25
